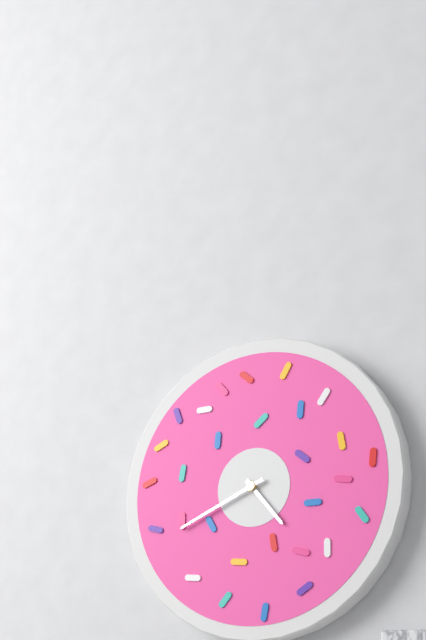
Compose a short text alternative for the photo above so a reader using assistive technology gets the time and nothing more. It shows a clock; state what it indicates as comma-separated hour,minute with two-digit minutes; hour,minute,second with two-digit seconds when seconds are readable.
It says 4,41
